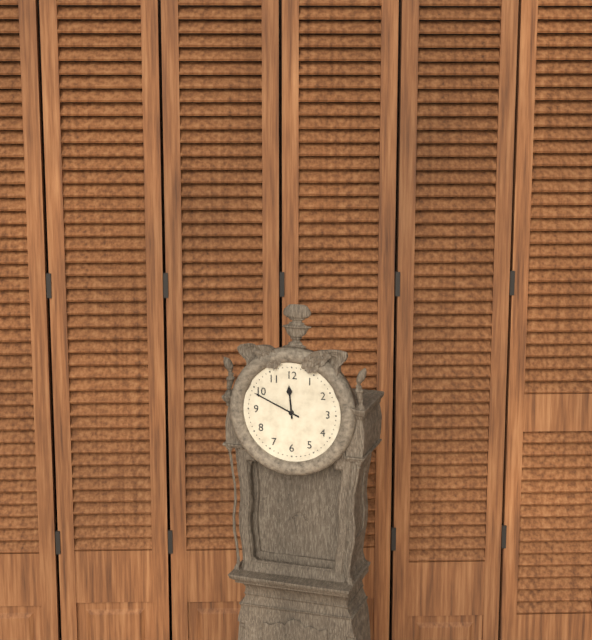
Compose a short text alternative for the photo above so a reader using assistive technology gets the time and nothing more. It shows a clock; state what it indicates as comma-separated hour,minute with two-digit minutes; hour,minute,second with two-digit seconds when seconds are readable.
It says 11,49
